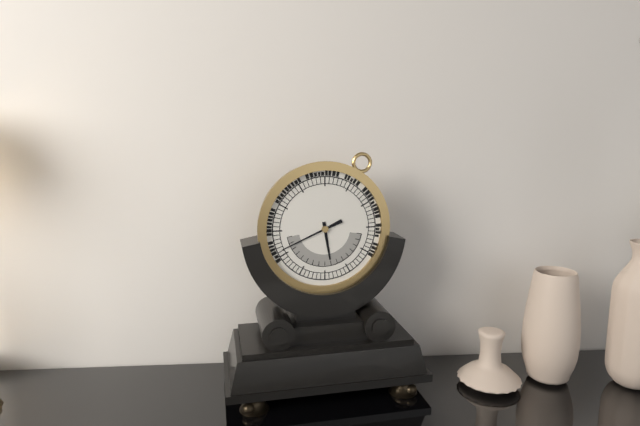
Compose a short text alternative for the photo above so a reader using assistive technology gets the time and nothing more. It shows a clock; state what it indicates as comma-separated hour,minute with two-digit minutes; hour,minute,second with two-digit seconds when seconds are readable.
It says 5,41
